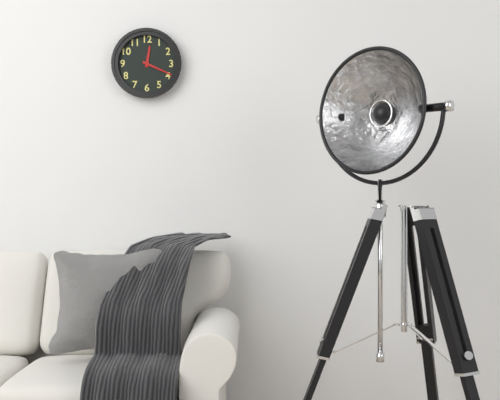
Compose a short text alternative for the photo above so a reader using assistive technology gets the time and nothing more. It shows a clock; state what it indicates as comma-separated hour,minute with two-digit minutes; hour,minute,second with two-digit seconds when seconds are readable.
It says 12,19
